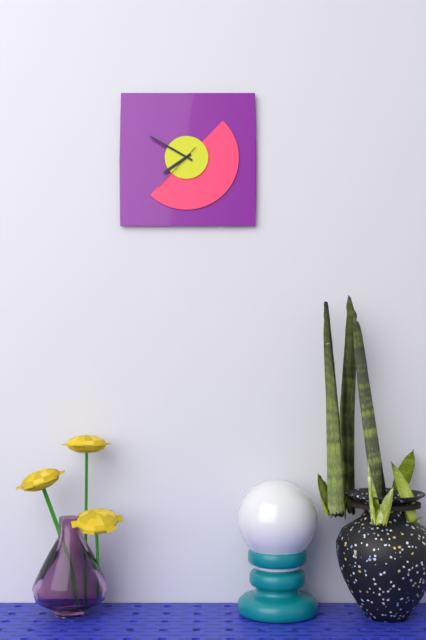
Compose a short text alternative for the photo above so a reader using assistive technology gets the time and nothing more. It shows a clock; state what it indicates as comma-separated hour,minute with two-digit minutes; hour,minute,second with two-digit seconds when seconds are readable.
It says 7,50,37
